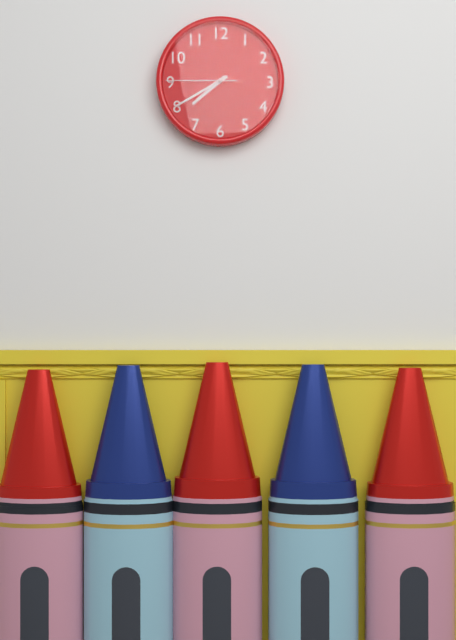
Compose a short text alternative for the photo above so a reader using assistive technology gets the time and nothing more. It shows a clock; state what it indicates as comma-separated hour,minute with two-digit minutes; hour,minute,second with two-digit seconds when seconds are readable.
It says 7,40,45
